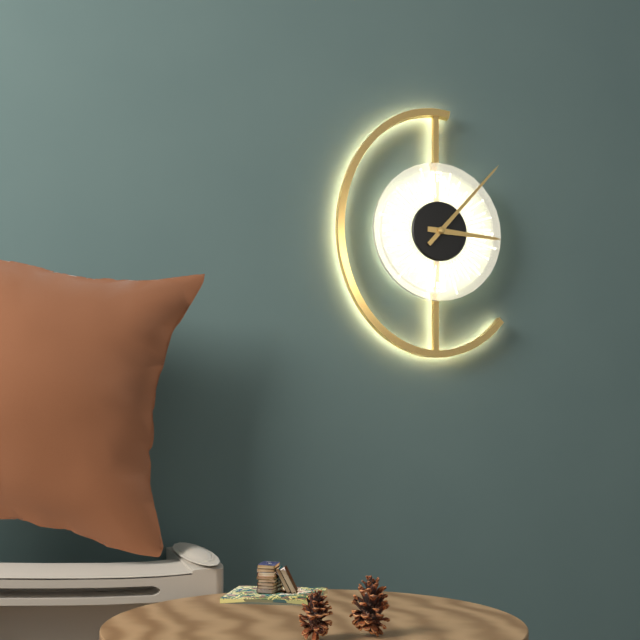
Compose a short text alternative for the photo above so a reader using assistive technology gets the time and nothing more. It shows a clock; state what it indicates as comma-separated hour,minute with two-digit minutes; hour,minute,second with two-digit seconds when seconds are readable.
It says 3,07
